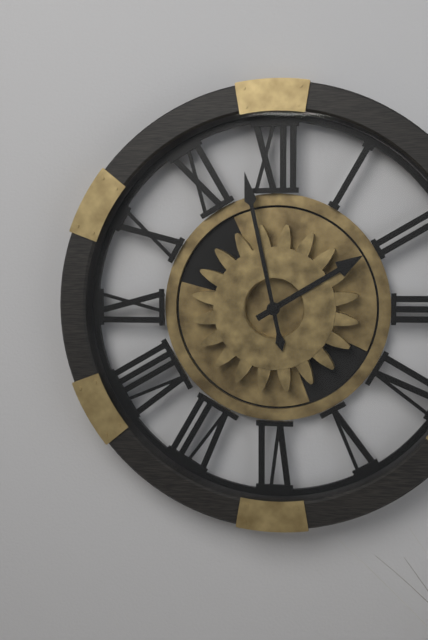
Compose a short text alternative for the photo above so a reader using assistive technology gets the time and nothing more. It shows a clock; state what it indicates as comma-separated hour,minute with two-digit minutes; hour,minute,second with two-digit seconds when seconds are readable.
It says 1,58
